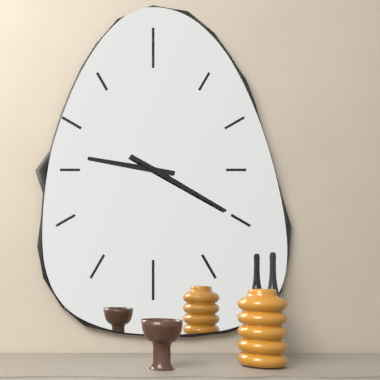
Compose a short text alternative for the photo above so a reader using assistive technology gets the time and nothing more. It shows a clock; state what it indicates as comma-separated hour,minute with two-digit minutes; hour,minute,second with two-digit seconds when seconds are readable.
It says 9,20
